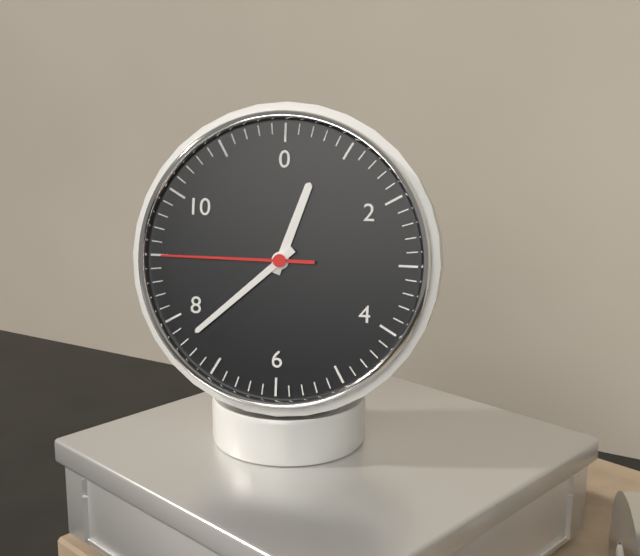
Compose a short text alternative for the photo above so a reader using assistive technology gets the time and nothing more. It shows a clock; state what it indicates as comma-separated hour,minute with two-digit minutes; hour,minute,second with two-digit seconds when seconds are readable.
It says 12,38,45
